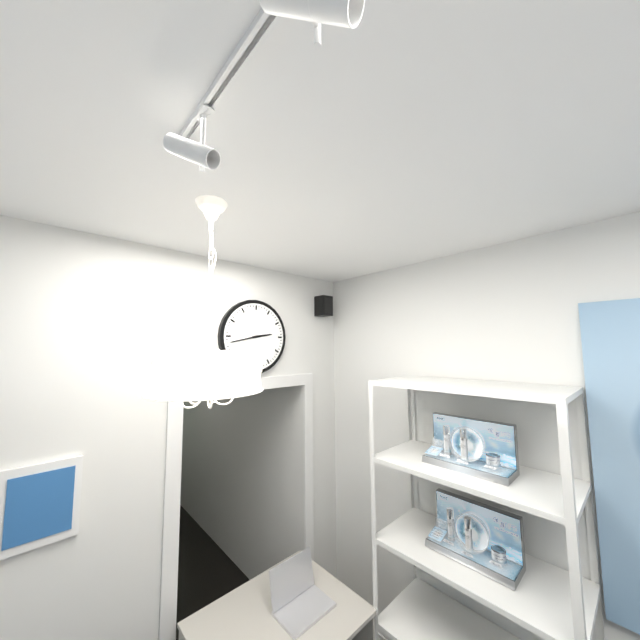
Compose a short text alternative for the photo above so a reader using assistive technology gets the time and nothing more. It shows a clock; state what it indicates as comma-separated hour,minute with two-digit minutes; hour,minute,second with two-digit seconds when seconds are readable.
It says 2,43
